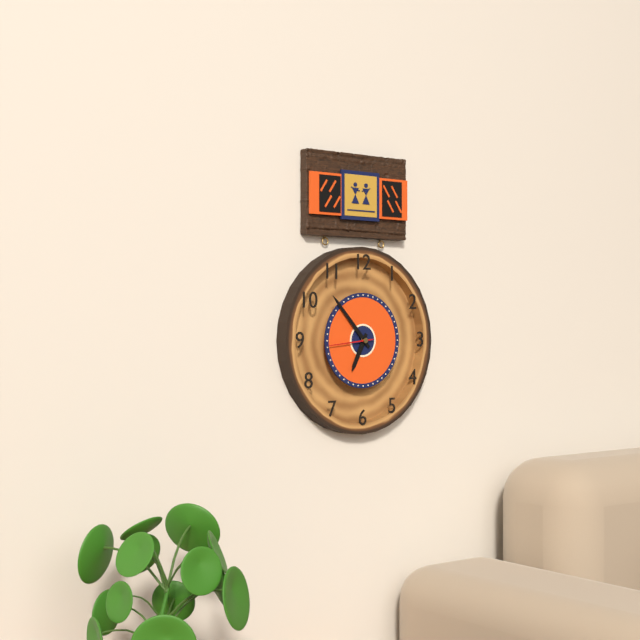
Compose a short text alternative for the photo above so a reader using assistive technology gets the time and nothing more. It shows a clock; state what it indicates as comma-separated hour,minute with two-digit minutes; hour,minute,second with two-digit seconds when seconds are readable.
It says 6,53
